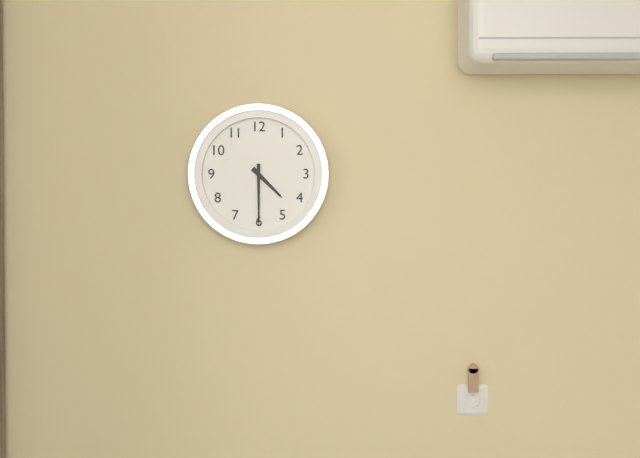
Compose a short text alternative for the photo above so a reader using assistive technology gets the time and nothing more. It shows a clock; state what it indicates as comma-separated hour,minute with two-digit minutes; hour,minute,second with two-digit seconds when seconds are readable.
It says 4,30
